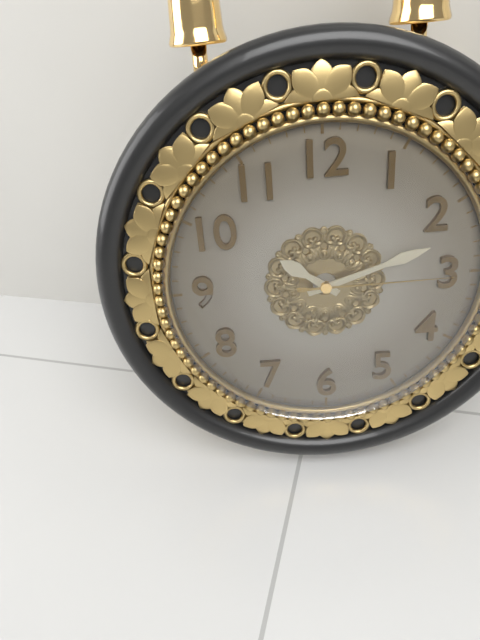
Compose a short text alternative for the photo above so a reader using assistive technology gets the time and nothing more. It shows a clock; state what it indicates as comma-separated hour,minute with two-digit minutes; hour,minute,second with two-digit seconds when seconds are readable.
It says 10,12,15
